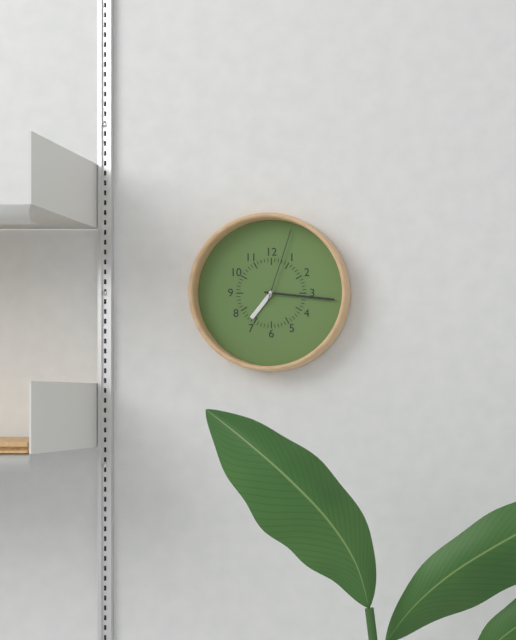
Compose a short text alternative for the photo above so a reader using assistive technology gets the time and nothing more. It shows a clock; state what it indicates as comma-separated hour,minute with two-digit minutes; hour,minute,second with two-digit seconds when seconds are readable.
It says 7,16,03
